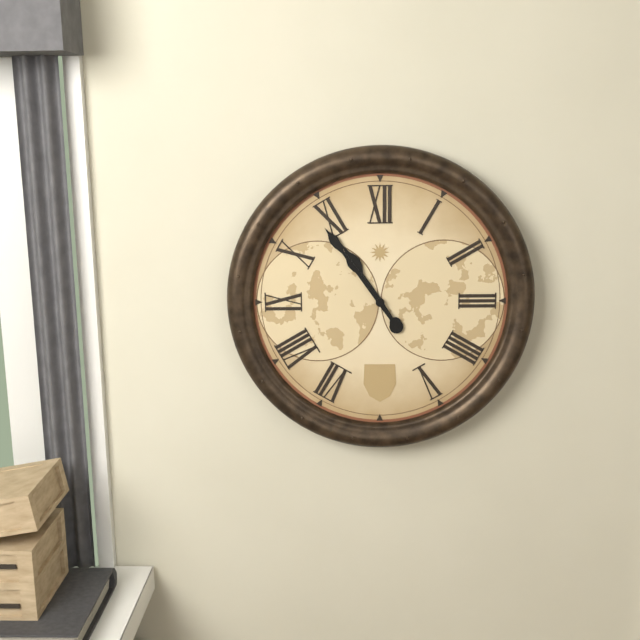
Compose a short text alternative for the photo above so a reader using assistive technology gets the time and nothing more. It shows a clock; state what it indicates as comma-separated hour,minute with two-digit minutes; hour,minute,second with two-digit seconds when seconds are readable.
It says 10,54
